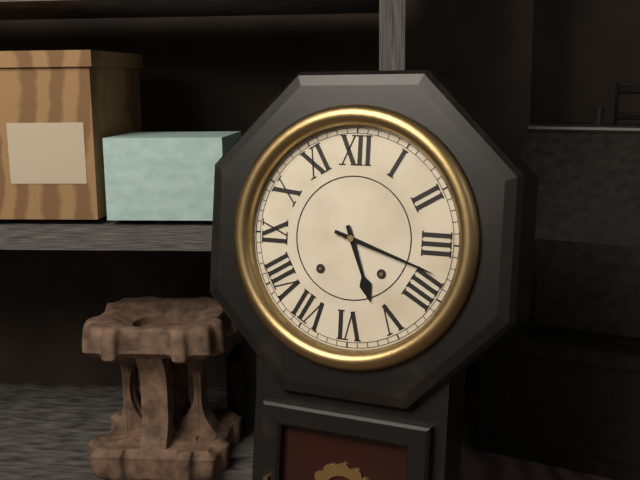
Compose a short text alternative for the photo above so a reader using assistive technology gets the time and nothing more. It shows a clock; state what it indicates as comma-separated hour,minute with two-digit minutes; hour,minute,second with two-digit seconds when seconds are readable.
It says 5,18
